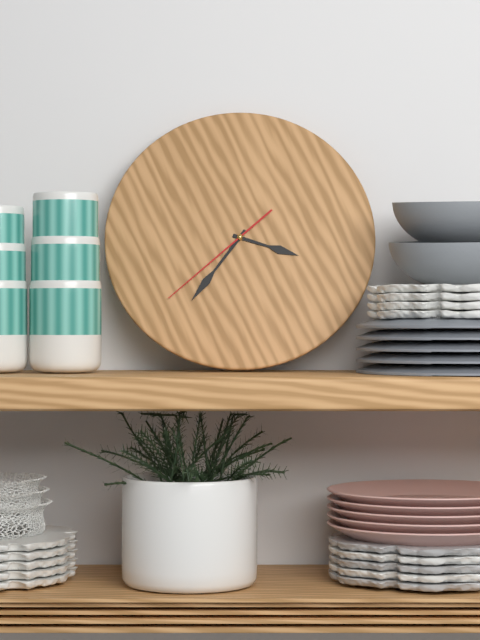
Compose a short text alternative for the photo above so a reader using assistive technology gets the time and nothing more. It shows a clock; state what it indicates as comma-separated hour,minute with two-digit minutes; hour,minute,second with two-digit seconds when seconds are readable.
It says 3,36,38
